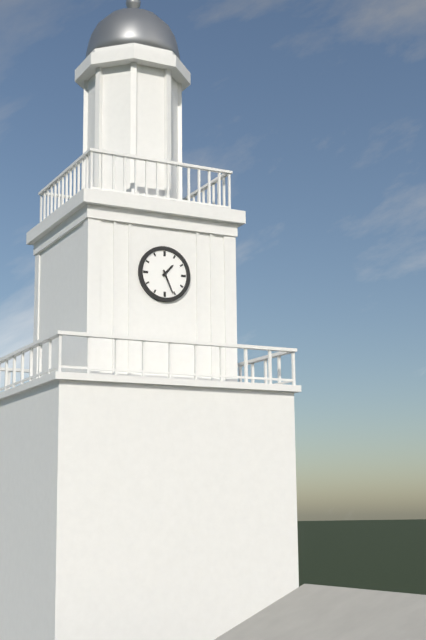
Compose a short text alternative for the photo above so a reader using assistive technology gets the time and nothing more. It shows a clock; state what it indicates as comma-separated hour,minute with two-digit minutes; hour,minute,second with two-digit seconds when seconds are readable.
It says 1,26
